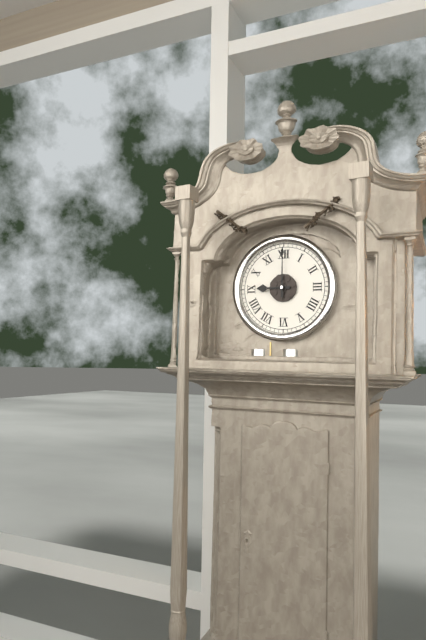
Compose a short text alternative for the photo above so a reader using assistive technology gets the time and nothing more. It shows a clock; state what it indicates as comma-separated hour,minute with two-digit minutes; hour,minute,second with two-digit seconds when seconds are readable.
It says 9,00
